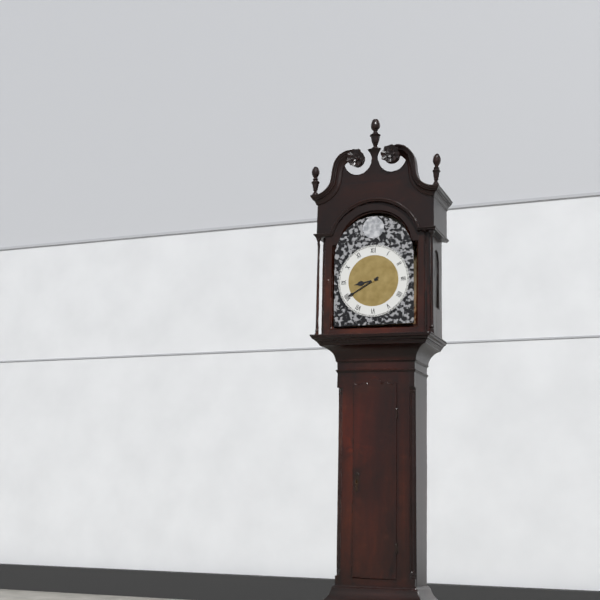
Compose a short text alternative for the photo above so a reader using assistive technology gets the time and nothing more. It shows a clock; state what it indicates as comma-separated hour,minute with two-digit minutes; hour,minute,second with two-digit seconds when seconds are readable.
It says 8,40
